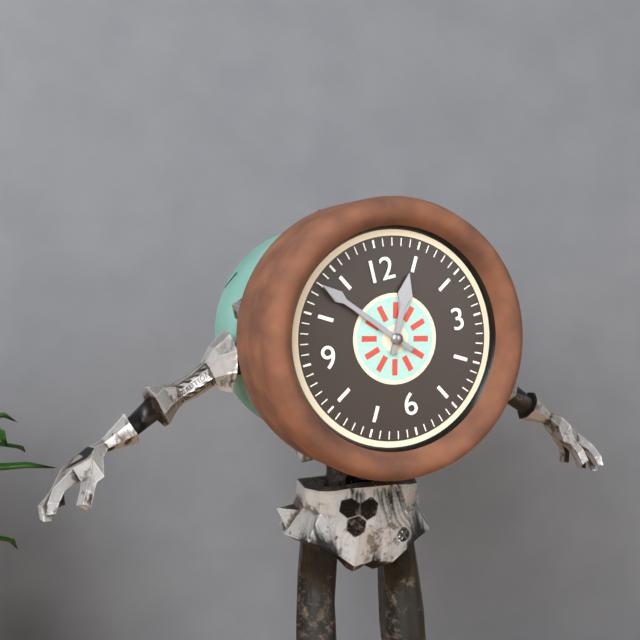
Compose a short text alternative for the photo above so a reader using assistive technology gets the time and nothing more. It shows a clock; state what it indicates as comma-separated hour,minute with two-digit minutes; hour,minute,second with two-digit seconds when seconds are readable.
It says 12,53
